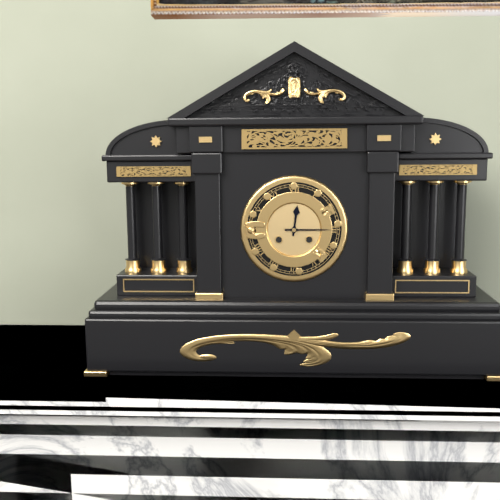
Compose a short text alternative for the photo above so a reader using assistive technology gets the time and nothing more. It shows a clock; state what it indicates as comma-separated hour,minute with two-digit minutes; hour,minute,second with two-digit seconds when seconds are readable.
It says 12,15
